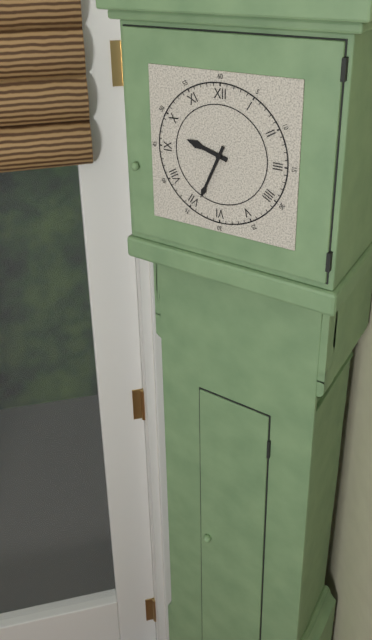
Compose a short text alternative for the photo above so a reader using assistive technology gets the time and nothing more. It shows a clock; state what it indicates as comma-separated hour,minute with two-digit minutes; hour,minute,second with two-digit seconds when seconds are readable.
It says 9,34
